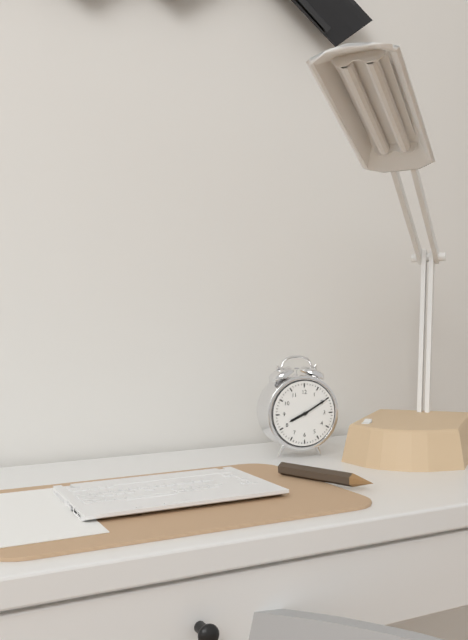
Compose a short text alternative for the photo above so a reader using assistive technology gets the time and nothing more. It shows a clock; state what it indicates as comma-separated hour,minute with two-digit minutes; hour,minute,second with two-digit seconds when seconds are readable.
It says 8,10
